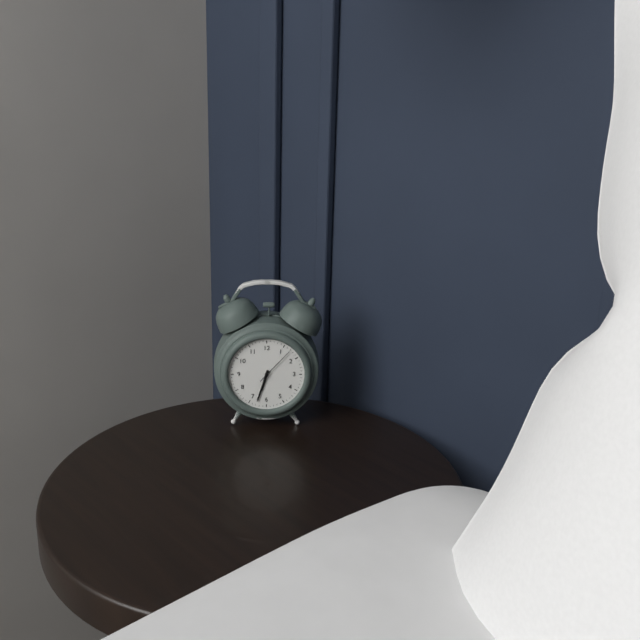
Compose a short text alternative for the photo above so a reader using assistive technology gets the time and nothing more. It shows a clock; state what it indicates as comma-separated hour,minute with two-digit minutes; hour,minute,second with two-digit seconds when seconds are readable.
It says 6,33
